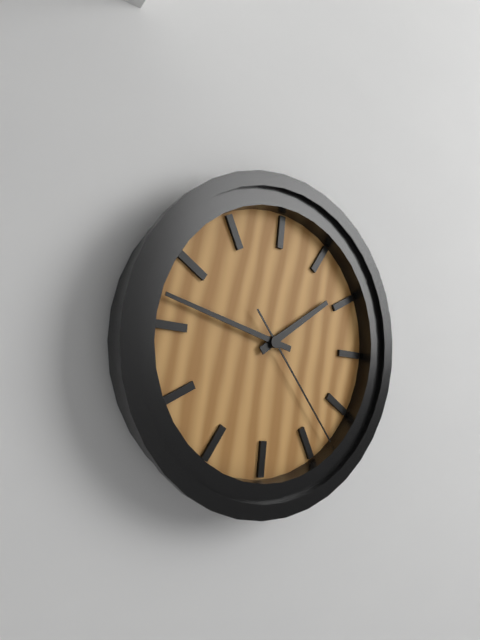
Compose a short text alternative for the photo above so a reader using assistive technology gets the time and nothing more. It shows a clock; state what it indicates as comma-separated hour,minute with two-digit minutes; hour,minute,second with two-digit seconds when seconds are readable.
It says 1,47,23
